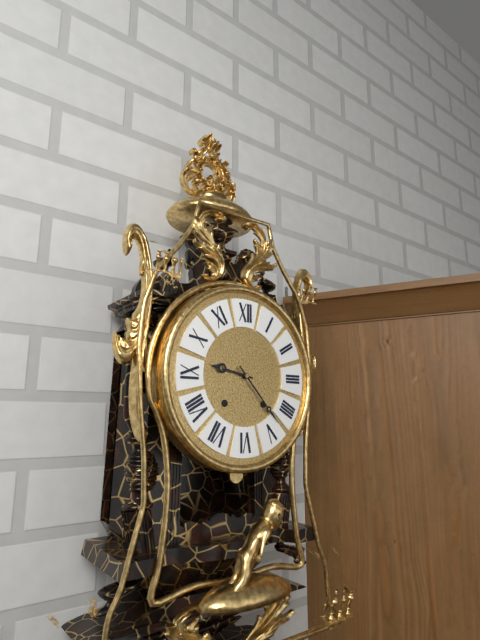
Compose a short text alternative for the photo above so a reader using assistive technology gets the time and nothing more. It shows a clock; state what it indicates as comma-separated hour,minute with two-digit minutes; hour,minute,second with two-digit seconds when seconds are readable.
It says 9,23
